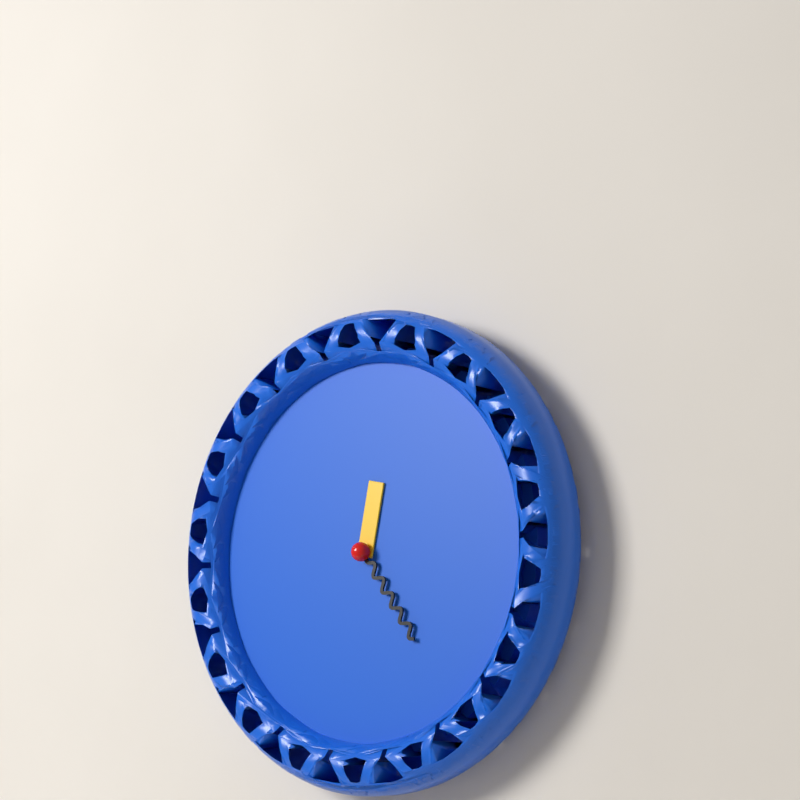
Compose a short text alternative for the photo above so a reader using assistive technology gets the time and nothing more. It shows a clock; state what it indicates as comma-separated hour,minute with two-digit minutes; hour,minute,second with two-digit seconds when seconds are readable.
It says 12,24
